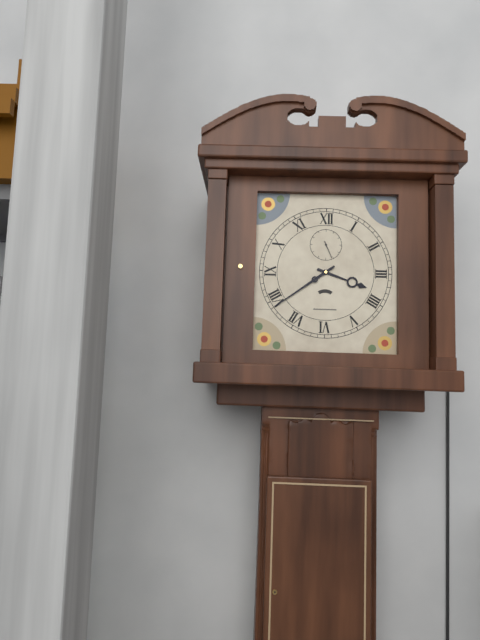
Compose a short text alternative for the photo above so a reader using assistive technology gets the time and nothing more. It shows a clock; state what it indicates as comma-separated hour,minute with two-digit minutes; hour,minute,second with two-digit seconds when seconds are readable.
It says 3,39
